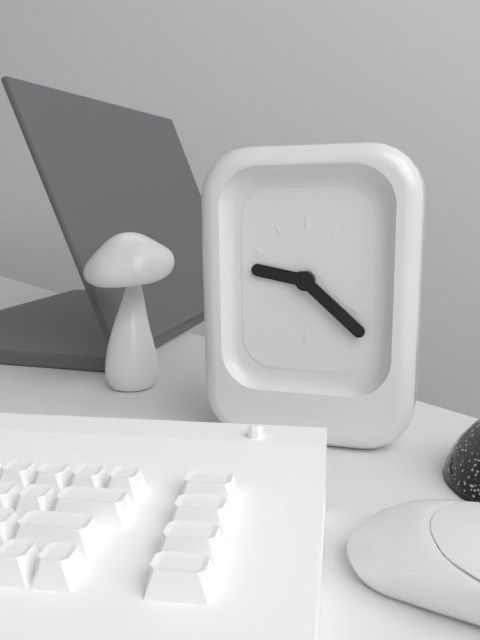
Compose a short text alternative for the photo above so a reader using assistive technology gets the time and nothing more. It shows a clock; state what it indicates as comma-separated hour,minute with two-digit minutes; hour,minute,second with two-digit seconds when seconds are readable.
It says 9,22
